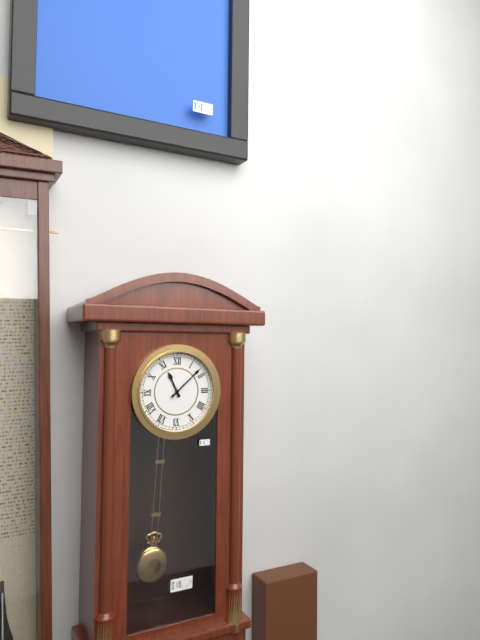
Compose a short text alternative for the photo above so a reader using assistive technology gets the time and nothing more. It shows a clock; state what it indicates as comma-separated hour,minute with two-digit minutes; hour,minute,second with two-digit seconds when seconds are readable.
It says 11,08
